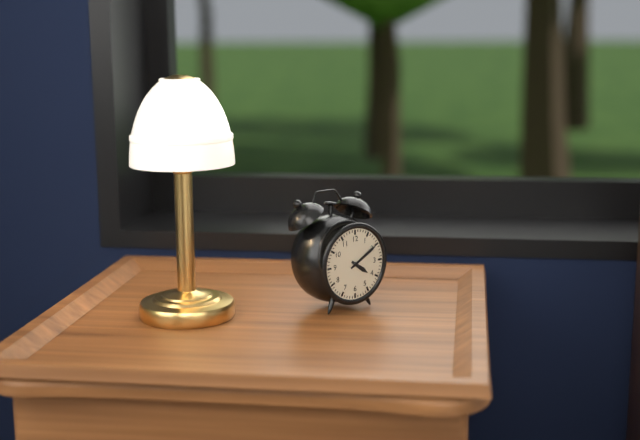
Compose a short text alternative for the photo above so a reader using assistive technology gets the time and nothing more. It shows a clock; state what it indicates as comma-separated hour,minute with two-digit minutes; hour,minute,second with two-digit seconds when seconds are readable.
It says 4,10
